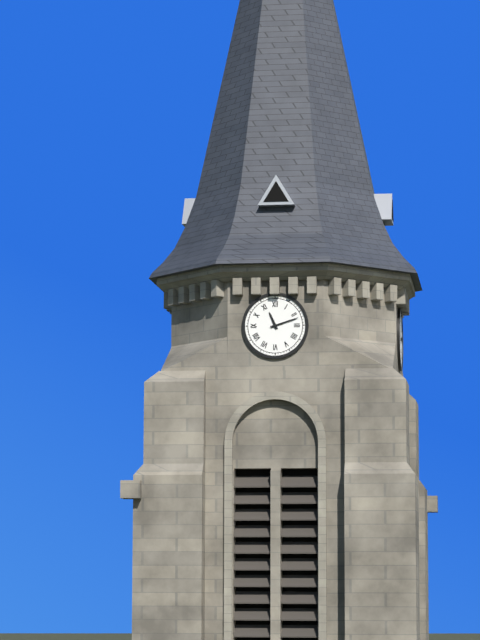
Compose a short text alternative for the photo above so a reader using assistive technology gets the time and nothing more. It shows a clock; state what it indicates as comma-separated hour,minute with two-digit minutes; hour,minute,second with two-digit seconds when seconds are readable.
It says 11,12
